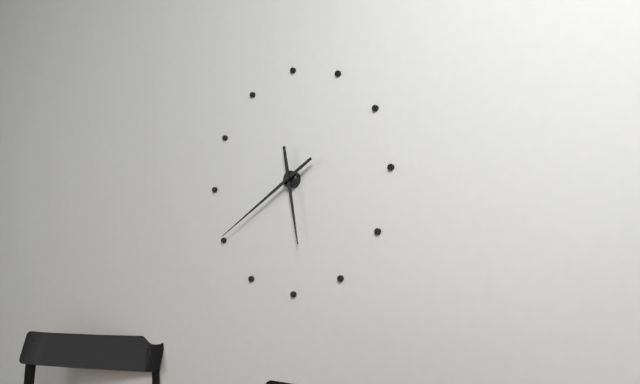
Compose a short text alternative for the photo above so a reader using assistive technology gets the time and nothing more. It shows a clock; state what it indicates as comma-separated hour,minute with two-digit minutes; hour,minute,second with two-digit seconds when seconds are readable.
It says 5,40
